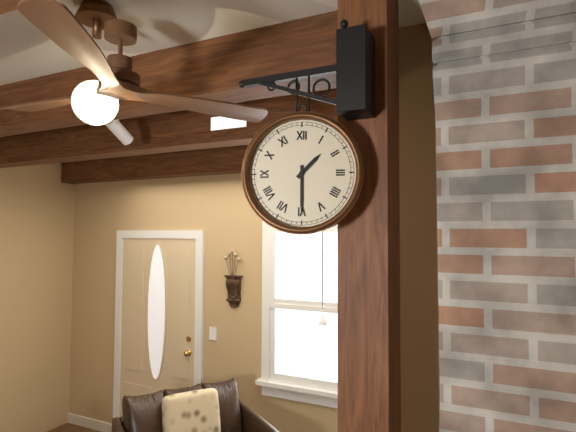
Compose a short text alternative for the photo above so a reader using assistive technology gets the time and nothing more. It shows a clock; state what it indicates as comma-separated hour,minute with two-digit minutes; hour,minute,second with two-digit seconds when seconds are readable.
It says 1,30
